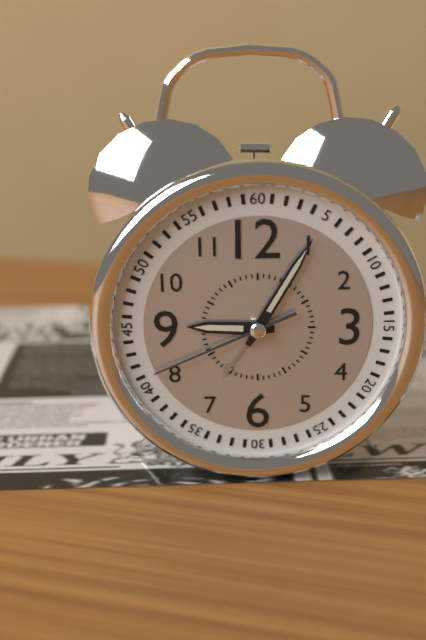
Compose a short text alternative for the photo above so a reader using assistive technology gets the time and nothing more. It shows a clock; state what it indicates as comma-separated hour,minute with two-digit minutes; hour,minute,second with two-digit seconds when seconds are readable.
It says 9,05,41
